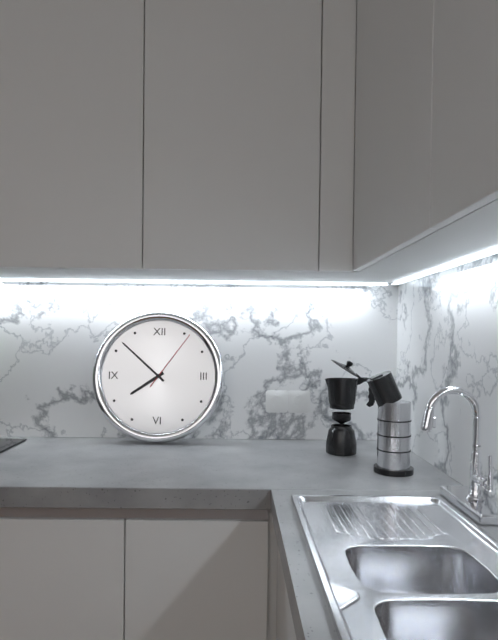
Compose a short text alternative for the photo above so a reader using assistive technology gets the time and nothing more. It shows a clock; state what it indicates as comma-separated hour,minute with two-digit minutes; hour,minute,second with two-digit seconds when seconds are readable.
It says 7,52,06
